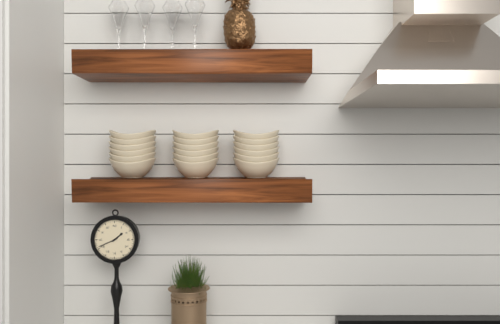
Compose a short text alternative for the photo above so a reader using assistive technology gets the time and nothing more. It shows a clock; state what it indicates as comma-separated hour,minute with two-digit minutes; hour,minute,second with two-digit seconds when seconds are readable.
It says 1,41
